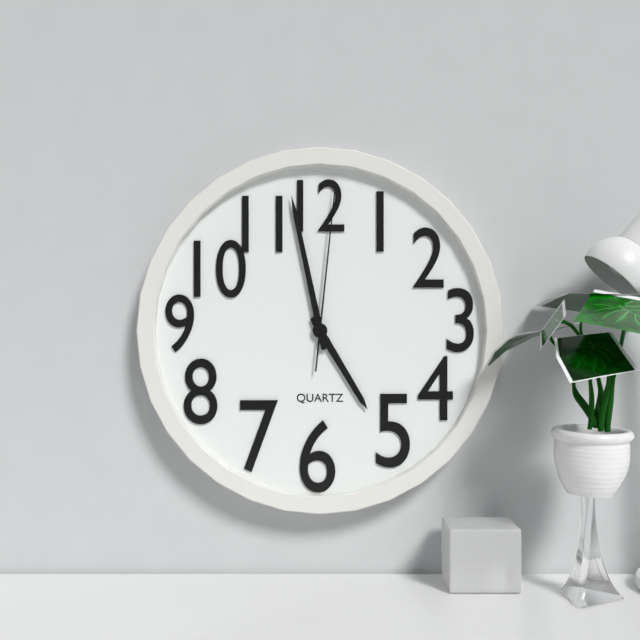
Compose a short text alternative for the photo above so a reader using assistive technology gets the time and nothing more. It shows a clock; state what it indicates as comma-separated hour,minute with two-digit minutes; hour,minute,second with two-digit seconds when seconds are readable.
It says 4,58,01
